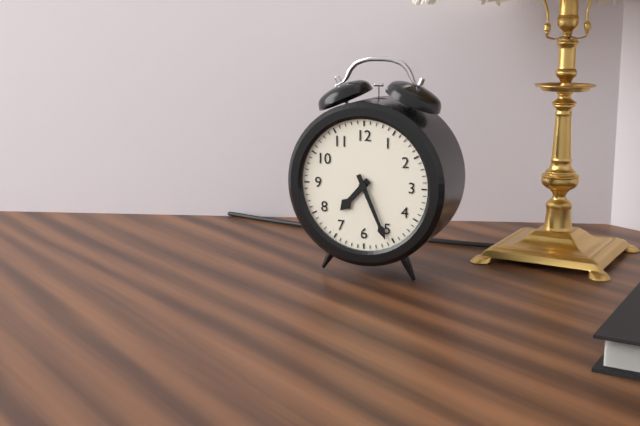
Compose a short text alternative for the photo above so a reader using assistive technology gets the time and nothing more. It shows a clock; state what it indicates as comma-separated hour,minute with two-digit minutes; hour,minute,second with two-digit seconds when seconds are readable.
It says 7,26
